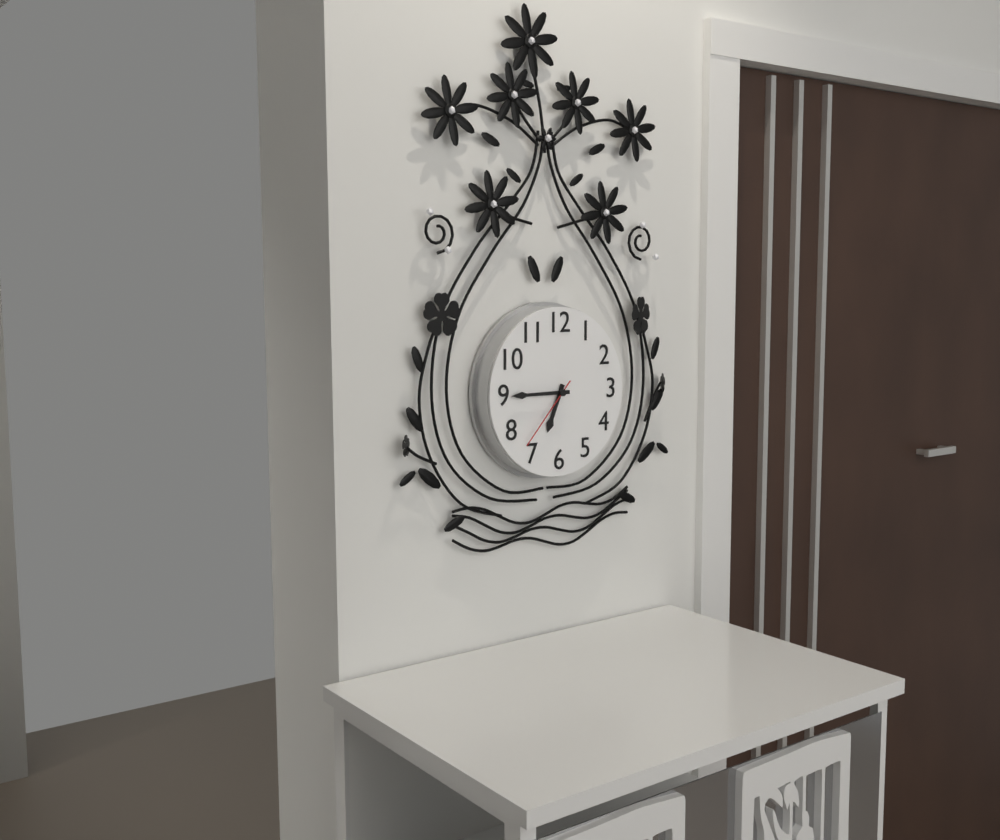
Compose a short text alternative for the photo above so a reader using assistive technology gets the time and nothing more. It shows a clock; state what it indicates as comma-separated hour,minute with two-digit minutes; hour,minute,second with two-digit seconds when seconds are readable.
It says 6,45,37
